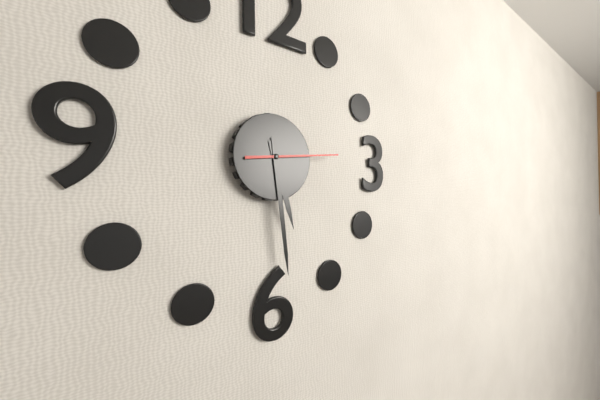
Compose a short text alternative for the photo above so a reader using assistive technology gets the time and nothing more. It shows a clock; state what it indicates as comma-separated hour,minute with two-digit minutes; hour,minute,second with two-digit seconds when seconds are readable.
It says 5,29,14
